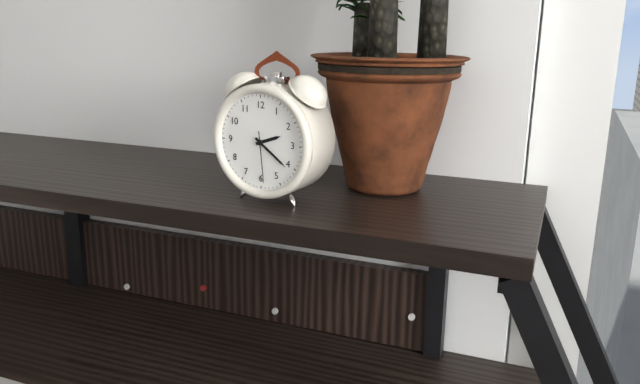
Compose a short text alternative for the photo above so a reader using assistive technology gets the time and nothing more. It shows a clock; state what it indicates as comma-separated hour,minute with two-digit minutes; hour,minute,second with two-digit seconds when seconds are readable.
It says 2,21,29
